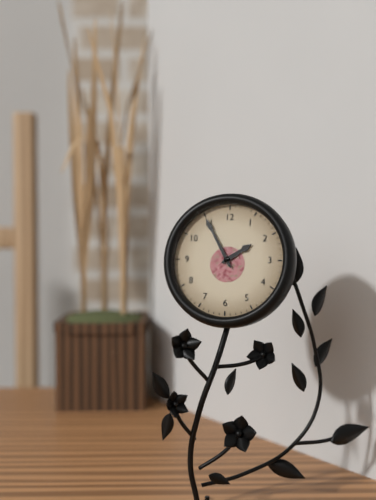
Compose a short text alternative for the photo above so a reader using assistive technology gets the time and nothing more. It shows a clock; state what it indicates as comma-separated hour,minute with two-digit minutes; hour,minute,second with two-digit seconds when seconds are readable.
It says 1,55
